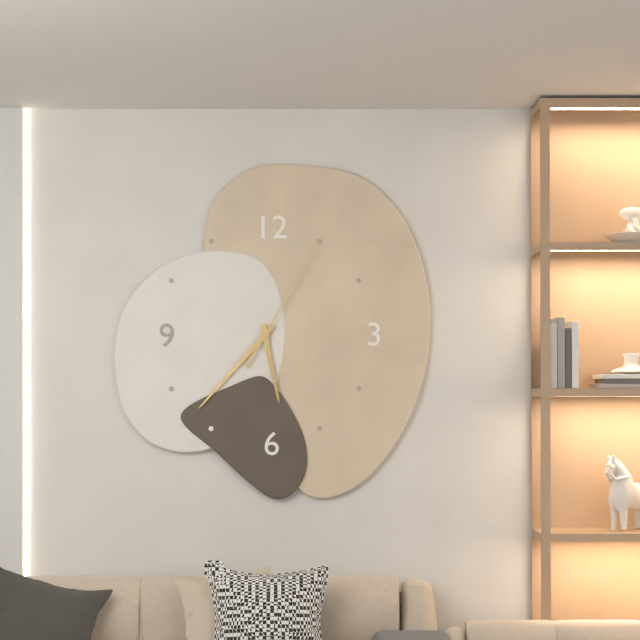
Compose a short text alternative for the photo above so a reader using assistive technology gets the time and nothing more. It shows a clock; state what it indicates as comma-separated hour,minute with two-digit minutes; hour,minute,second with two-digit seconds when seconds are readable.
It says 5,37,05
